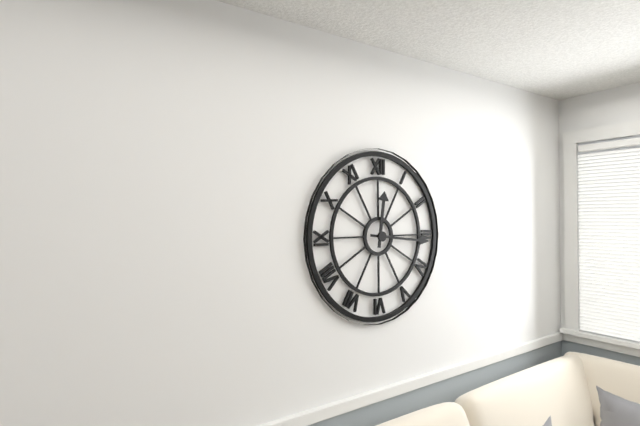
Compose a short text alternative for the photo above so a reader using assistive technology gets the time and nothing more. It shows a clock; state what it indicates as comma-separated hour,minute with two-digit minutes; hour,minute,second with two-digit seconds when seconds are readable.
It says 12,16
